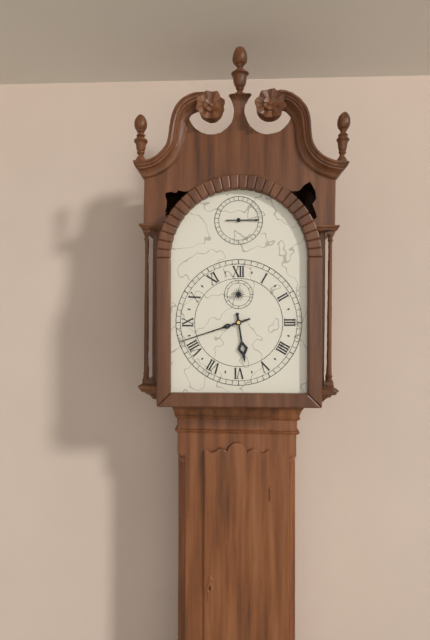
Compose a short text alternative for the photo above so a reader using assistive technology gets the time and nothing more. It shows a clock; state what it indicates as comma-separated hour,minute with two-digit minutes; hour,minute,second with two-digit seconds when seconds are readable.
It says 5,42
